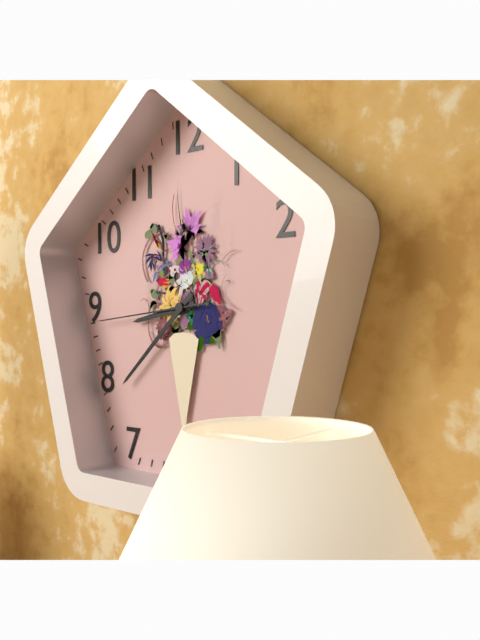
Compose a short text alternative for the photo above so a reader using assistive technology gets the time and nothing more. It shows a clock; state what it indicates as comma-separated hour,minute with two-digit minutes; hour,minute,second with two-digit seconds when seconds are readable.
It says 8,38,44
